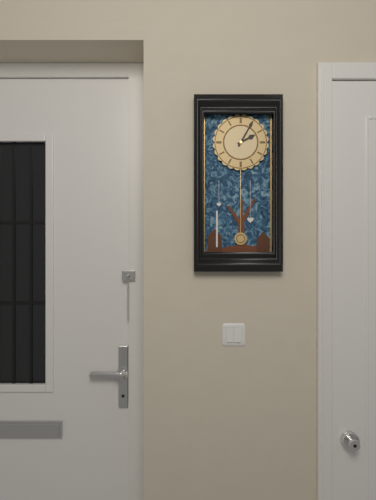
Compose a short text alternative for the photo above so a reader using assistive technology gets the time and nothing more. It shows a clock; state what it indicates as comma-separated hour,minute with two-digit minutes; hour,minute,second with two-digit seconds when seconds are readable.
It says 2,05
